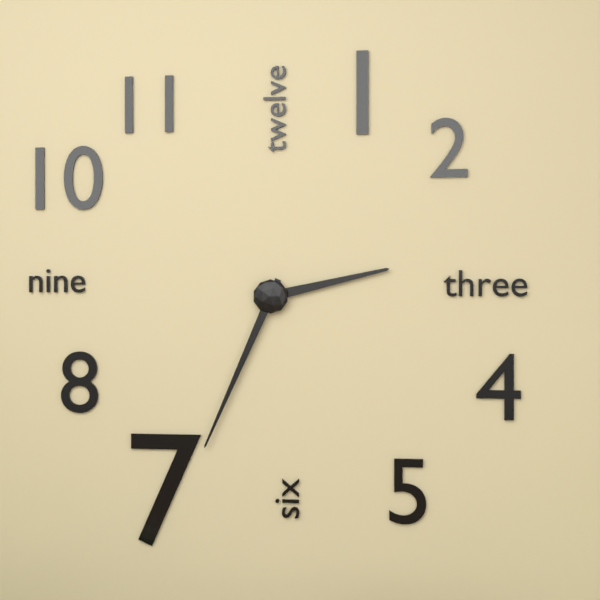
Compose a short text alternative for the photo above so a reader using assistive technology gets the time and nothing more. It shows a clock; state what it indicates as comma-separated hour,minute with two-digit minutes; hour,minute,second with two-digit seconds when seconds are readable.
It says 2,34
